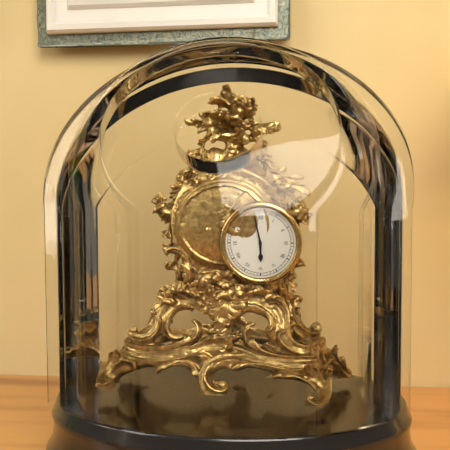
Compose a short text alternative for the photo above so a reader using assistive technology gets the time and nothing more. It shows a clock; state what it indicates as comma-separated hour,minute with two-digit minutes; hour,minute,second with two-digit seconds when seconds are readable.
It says 5,58
